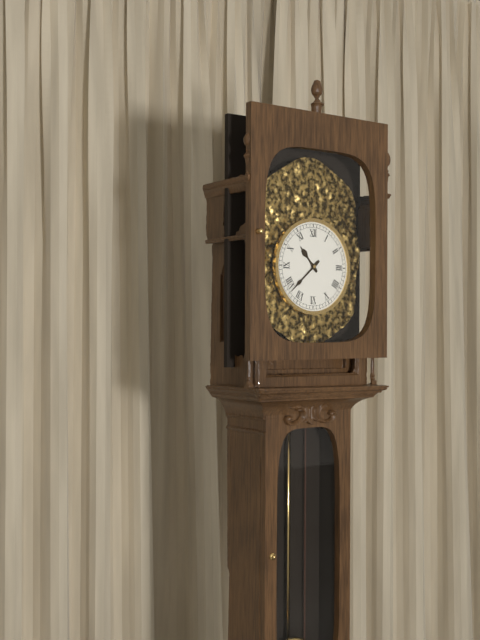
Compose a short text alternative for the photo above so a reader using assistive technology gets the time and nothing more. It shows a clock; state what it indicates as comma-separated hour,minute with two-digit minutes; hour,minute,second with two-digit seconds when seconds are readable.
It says 10,38
